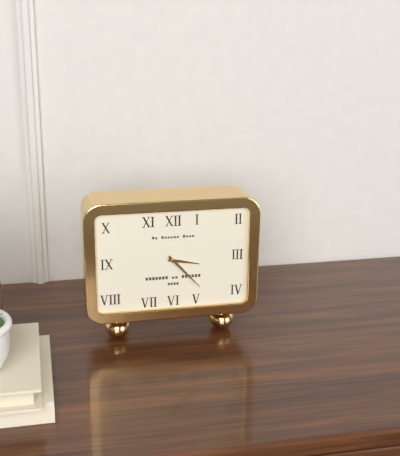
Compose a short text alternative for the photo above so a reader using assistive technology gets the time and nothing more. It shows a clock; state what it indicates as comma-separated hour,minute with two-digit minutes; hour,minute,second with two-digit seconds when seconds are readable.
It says 3,23
